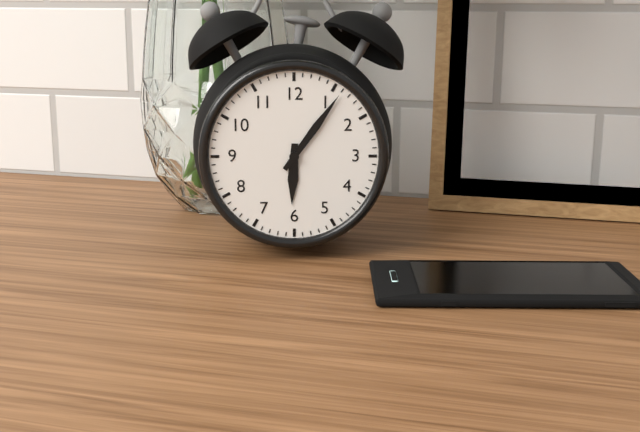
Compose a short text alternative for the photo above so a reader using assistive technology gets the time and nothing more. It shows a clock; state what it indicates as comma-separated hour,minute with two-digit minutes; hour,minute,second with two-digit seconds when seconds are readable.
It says 6,06
